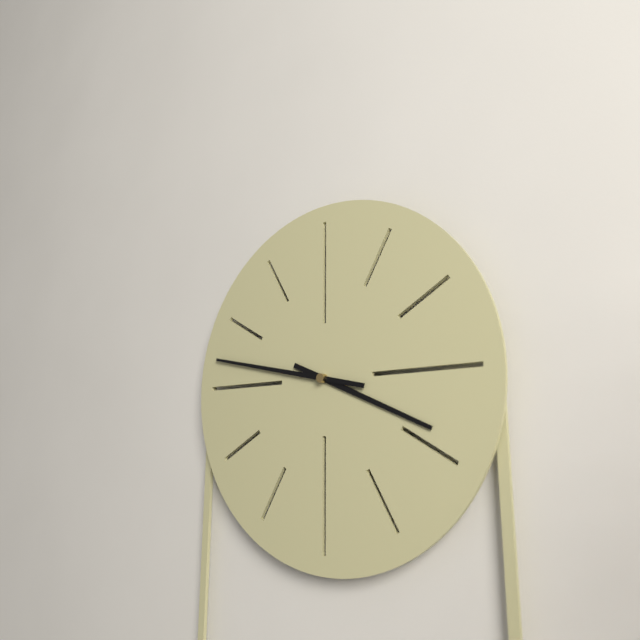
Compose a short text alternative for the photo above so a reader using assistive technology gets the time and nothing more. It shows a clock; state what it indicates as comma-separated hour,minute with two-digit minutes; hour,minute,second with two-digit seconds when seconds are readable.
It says 3,47
